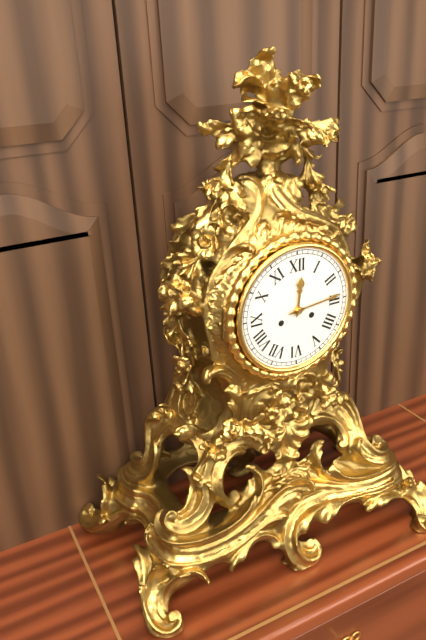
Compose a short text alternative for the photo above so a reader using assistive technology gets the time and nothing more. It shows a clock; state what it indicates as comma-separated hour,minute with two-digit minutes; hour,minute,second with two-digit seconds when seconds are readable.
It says 12,14
